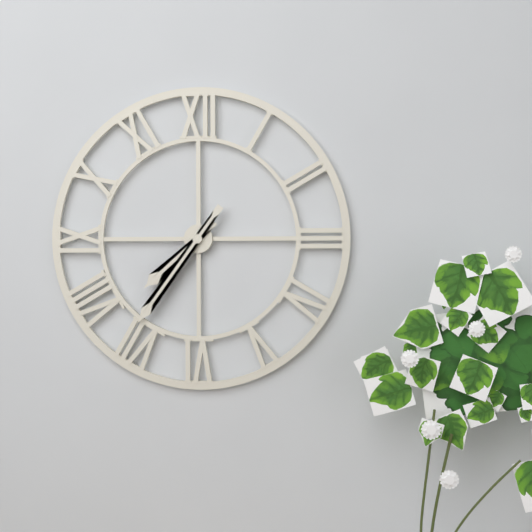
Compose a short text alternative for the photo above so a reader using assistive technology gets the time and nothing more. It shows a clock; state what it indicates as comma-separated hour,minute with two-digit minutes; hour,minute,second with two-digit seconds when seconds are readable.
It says 7,36
